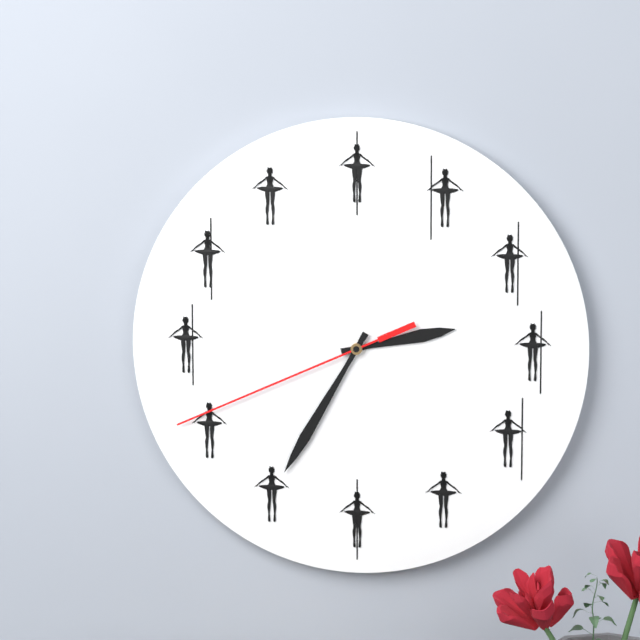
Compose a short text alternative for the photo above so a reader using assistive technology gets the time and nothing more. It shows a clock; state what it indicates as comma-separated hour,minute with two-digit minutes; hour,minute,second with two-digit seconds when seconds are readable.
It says 2,35,41
